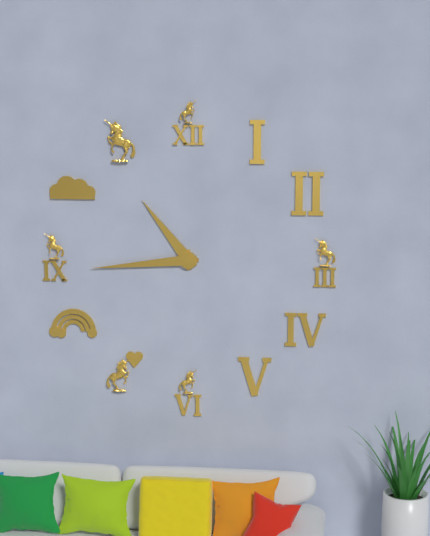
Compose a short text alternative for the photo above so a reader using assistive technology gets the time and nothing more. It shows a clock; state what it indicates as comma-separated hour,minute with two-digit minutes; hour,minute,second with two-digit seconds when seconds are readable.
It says 10,44
